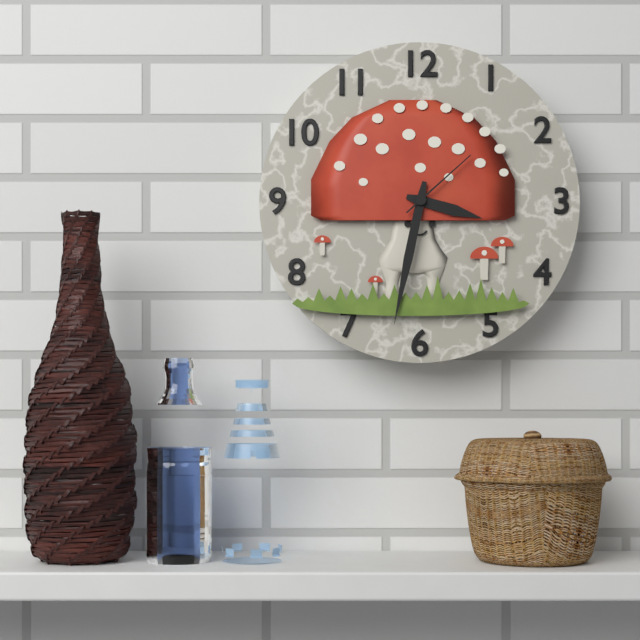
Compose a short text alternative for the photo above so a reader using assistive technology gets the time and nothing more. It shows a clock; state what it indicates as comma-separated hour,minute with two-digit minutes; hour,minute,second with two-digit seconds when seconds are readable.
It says 3,32,08
